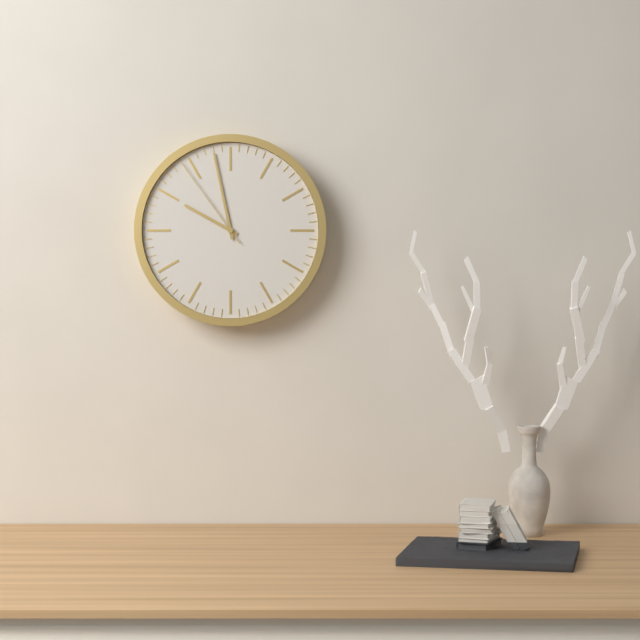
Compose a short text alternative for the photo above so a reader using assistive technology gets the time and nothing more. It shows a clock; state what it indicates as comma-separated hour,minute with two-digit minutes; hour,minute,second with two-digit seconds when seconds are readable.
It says 9,58,54
